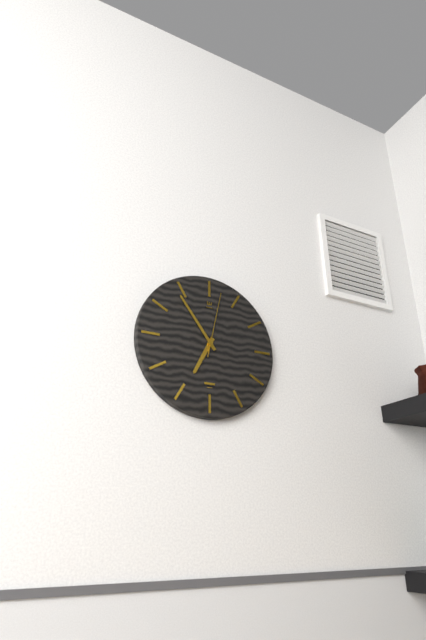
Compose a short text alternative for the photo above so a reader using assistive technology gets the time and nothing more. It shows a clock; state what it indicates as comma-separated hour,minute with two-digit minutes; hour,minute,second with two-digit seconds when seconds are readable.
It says 6,54,02
